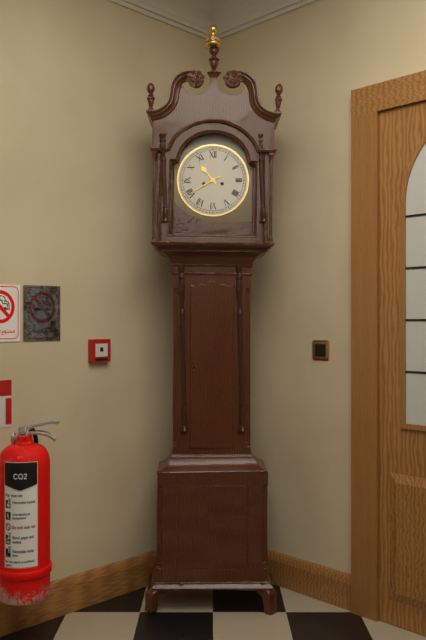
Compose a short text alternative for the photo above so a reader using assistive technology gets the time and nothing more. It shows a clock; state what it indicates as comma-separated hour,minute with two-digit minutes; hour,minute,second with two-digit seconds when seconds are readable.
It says 10,40
